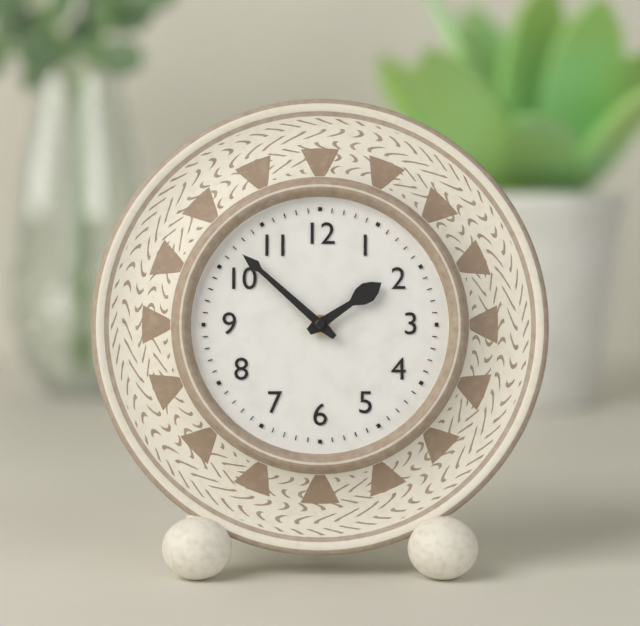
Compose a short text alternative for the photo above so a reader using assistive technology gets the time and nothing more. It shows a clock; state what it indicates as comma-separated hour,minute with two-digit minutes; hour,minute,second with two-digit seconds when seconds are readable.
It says 1,52
